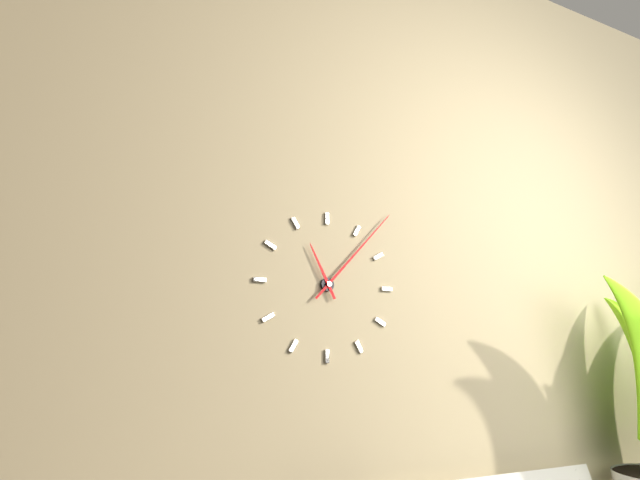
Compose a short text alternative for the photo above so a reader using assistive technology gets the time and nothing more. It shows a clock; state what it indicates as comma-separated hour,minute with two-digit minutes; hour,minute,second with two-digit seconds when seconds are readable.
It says 11,07
